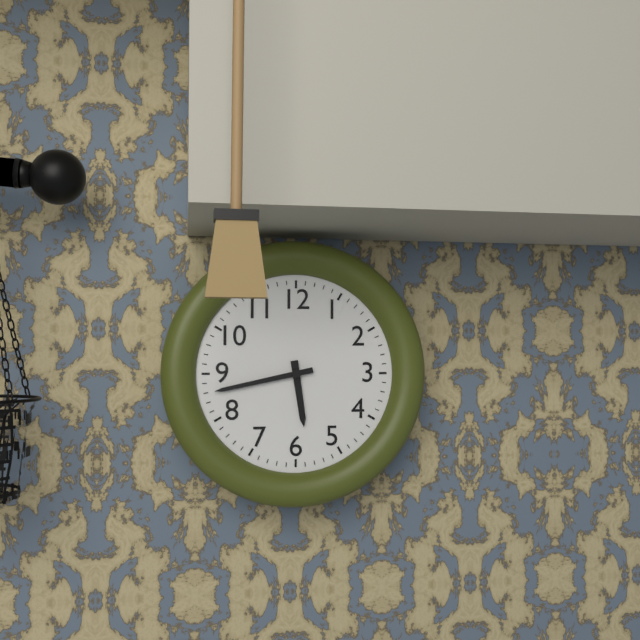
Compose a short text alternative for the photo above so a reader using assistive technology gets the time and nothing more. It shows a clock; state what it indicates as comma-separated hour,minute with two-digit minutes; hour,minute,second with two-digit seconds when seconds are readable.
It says 5,43
